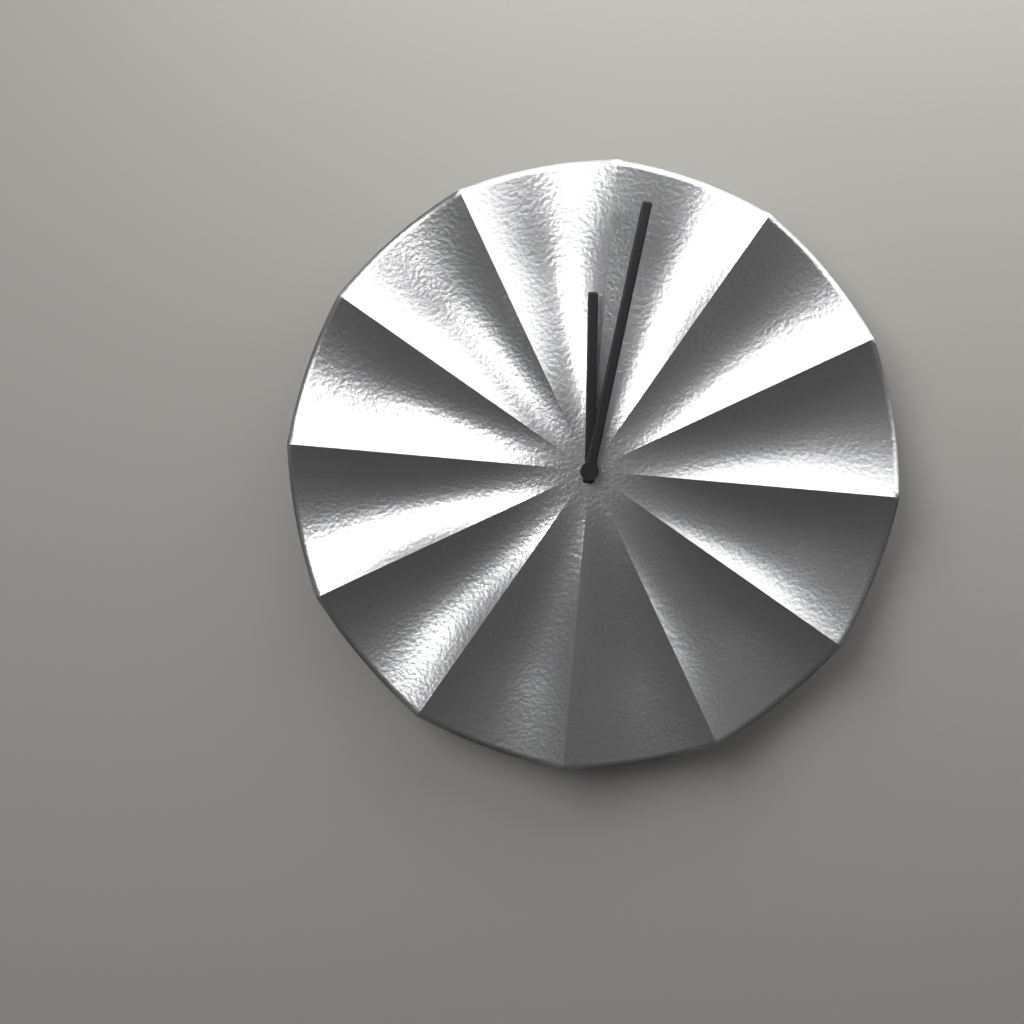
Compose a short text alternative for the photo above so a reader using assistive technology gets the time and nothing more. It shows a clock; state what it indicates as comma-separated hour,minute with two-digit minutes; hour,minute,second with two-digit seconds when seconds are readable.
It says 12,02
